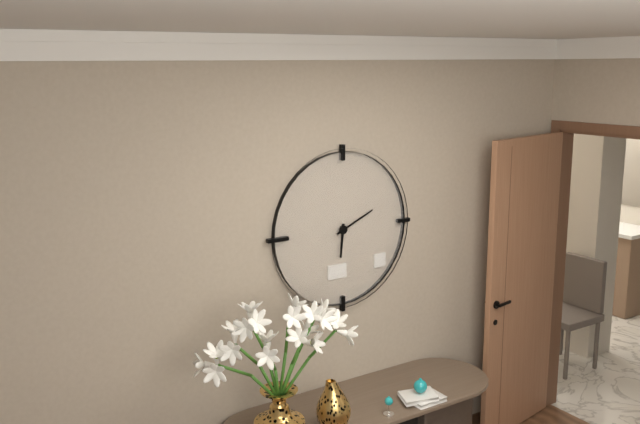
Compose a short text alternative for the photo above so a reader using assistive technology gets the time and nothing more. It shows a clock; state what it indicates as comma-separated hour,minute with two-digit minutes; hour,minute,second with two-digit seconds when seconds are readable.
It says 6,11
